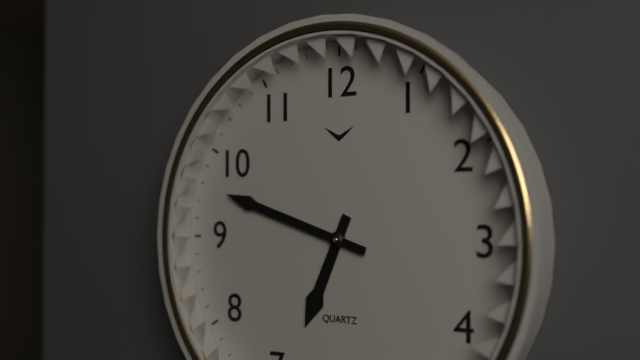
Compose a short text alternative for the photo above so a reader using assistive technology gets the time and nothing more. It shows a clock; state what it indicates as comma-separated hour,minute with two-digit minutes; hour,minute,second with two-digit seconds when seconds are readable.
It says 6,48
